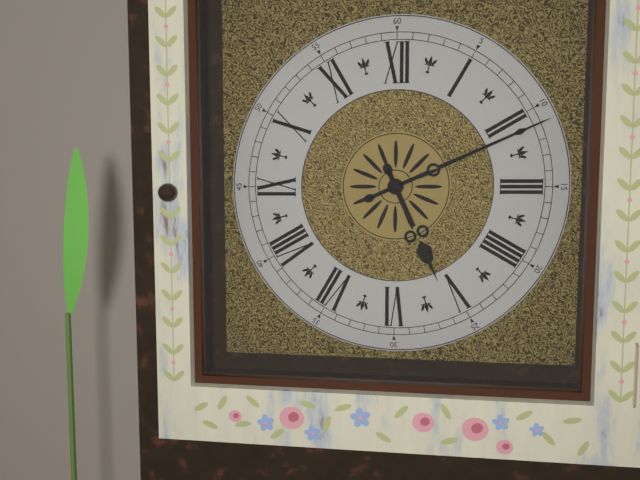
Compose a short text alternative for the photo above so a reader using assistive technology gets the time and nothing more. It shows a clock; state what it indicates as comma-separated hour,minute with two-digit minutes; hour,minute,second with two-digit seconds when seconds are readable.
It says 5,11
